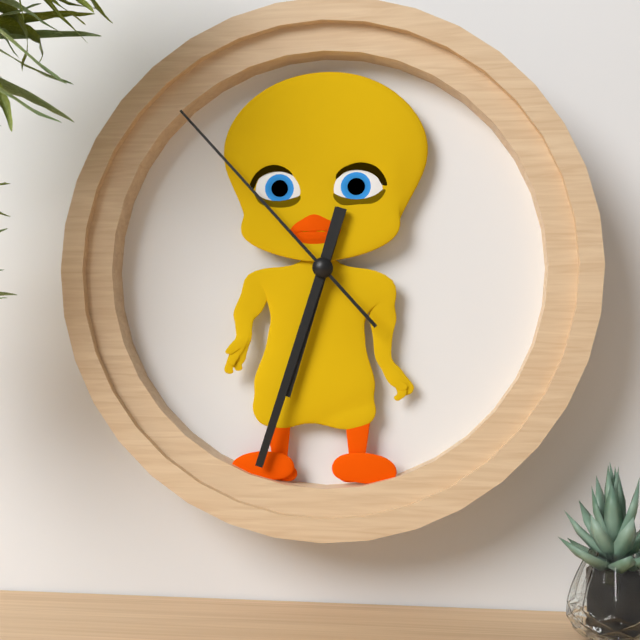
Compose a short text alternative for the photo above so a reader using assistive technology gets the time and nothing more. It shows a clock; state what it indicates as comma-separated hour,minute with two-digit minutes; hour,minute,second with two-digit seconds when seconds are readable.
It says 6,33,53
